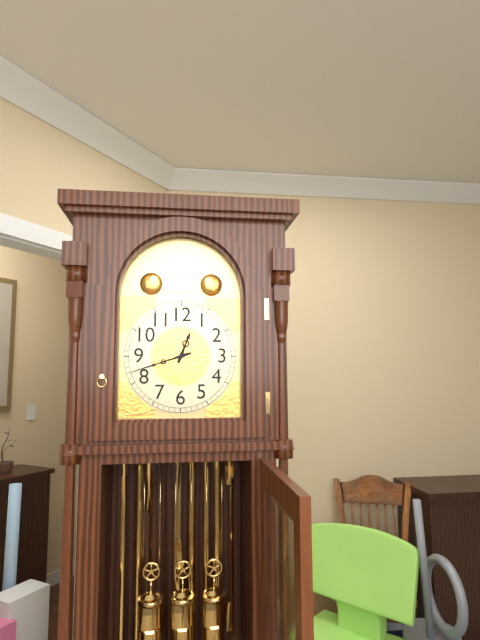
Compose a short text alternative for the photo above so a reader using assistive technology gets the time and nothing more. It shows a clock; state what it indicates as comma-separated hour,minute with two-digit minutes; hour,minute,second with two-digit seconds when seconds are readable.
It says 12,42
